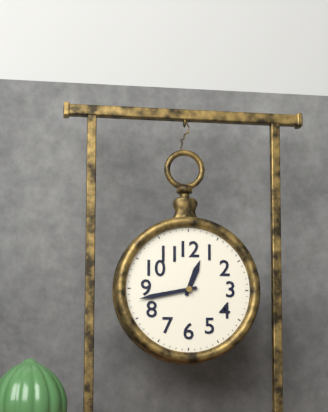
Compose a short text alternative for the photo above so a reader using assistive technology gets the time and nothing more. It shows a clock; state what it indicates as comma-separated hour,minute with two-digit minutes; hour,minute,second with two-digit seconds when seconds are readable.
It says 12,43
